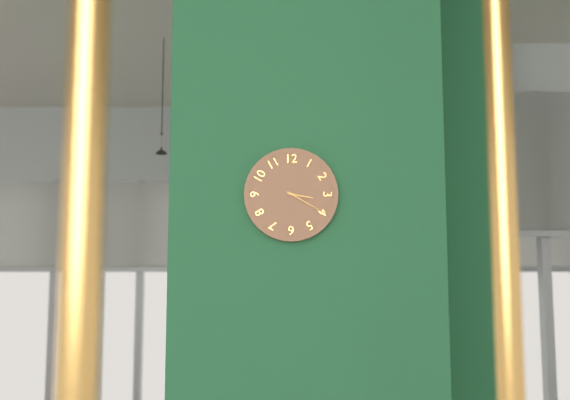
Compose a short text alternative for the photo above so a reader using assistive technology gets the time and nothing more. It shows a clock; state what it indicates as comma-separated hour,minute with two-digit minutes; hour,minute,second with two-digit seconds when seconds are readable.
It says 3,20
